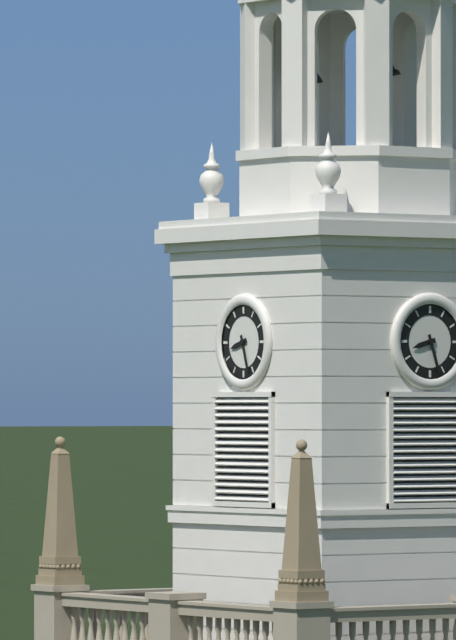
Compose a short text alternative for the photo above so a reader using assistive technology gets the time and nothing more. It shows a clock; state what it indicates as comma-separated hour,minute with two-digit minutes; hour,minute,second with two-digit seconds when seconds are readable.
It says 8,27
